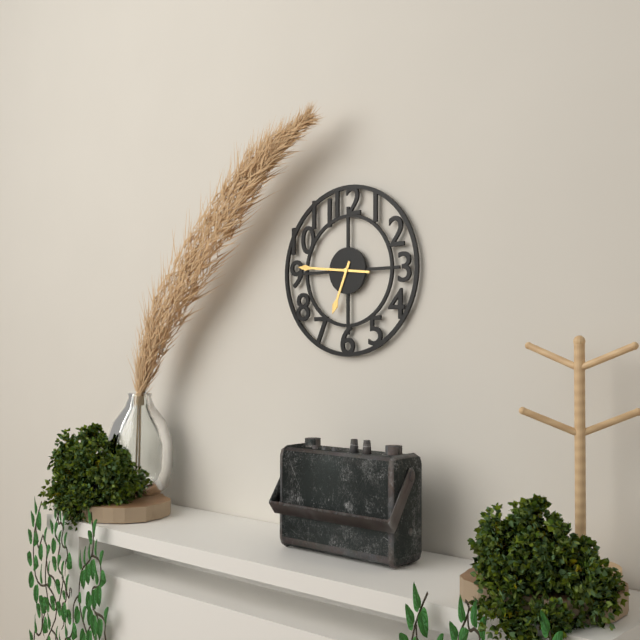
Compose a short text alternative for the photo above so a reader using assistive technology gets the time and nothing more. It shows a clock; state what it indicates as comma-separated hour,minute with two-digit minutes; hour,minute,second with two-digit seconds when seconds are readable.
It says 6,46
